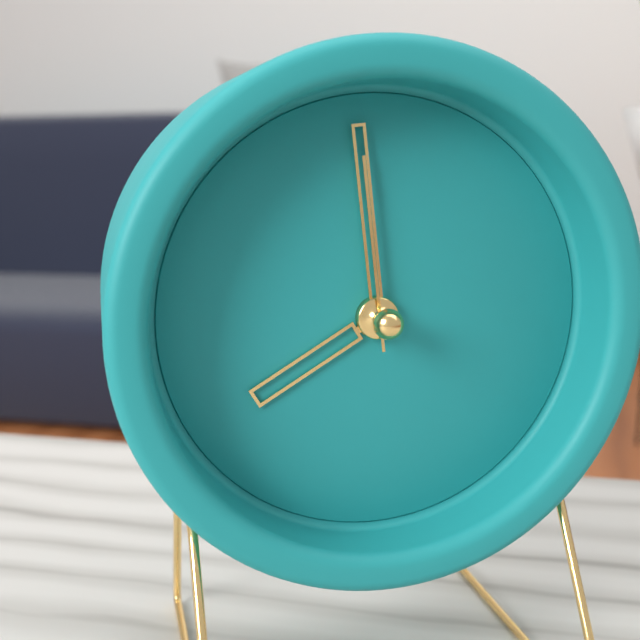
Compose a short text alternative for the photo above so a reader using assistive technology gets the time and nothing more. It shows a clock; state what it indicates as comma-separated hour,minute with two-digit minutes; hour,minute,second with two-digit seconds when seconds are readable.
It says 7,59,59
